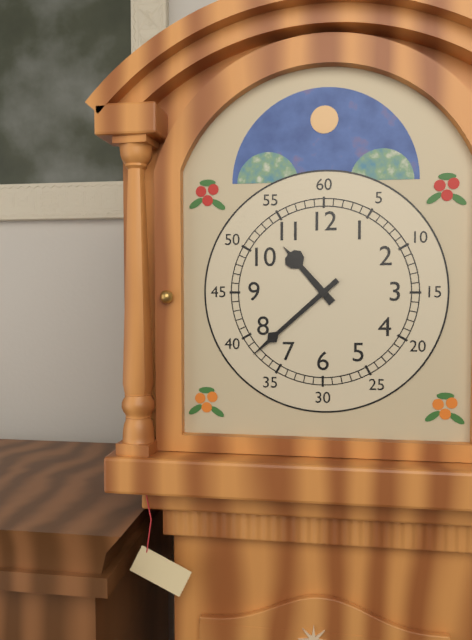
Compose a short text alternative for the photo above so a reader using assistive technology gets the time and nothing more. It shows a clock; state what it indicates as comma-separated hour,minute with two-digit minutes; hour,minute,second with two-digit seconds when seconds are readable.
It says 10,38
